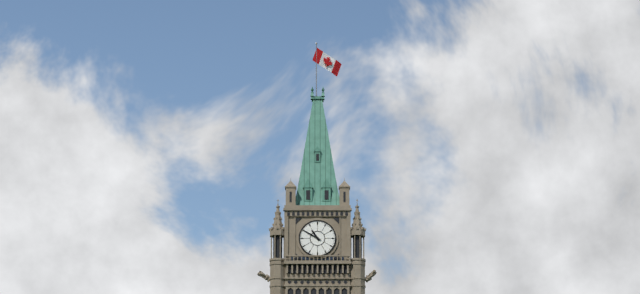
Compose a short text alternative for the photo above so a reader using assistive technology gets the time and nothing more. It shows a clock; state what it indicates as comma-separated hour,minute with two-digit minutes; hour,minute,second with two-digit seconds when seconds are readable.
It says 10,50
